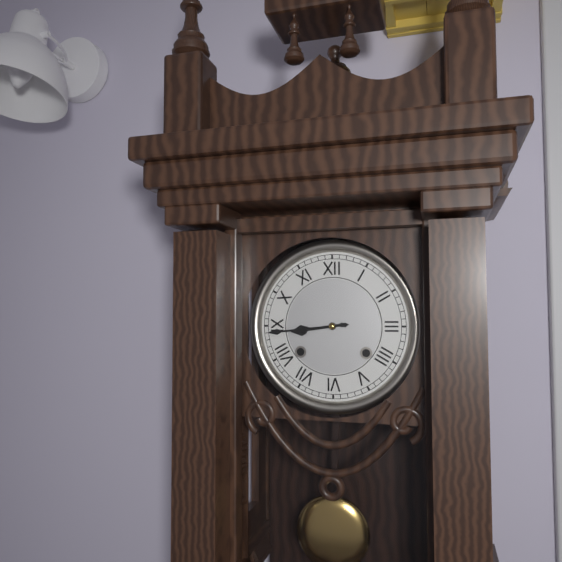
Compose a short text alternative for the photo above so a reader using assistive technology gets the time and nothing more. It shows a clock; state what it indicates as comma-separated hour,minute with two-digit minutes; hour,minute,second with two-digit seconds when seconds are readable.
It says 8,44
